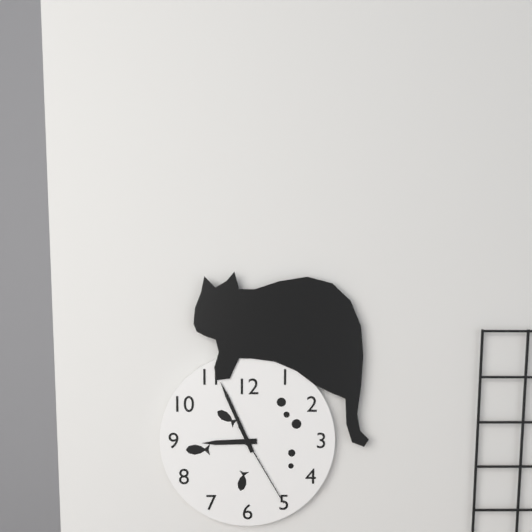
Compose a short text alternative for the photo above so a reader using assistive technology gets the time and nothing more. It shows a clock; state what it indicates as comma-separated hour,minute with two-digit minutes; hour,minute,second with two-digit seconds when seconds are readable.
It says 8,56,25
